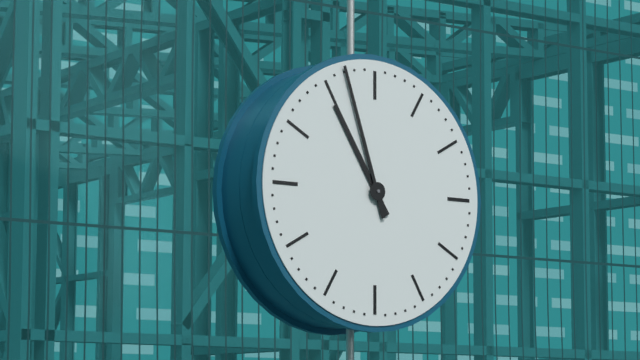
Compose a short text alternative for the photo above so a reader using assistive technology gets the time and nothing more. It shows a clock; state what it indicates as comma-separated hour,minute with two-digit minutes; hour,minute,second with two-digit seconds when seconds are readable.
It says 10,57
